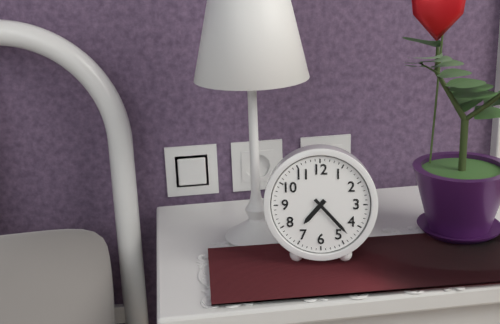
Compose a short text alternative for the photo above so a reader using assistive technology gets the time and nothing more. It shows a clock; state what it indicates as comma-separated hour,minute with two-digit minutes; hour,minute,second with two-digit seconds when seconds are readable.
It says 7,23
